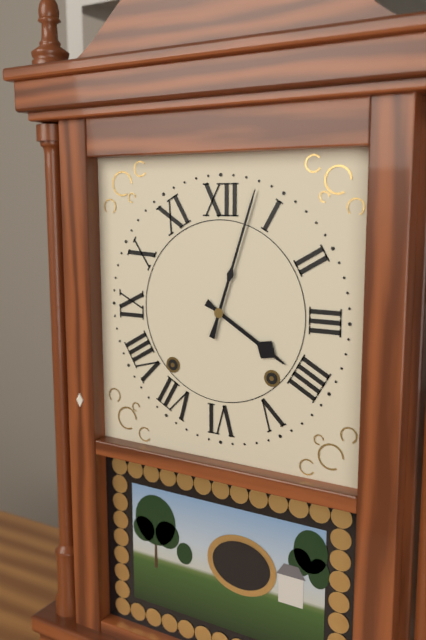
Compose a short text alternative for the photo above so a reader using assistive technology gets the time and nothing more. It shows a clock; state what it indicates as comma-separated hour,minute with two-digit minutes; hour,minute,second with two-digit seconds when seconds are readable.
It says 4,03
